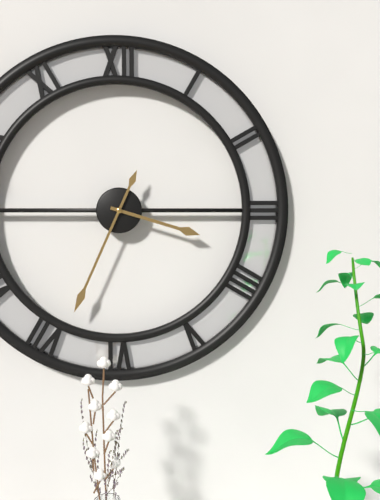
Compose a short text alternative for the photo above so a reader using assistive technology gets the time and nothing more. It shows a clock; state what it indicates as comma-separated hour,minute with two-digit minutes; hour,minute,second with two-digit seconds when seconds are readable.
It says 3,34
